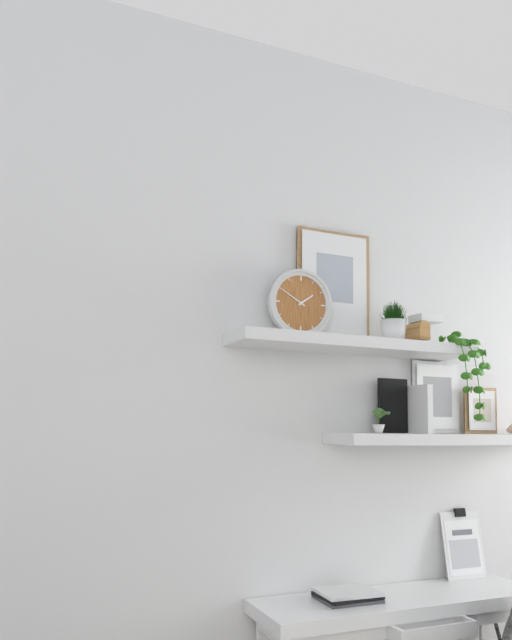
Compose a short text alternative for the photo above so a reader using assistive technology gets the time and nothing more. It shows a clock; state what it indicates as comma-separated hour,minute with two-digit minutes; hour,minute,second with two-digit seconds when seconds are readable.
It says 1,50
